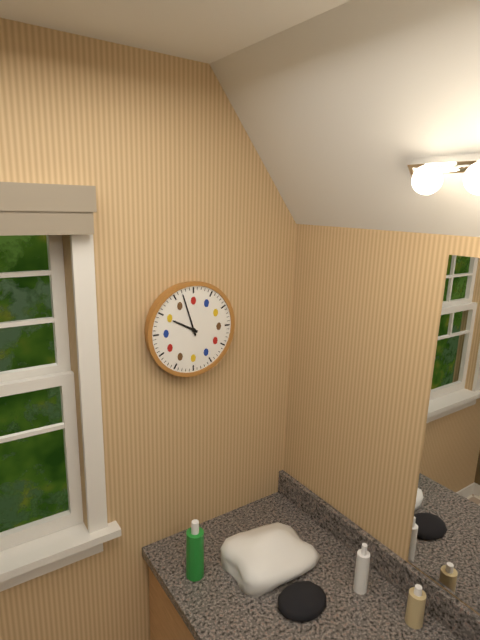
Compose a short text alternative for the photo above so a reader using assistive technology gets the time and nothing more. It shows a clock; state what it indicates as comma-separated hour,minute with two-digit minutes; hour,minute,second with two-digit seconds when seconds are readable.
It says 9,57
